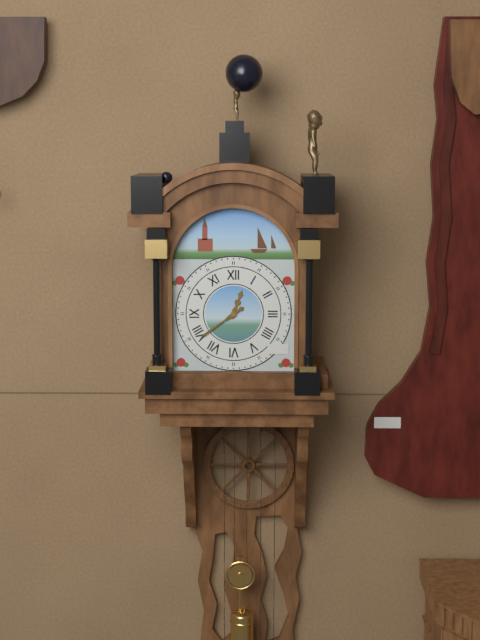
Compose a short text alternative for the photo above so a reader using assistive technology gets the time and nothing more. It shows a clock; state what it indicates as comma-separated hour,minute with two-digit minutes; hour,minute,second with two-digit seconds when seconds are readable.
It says 12,39
